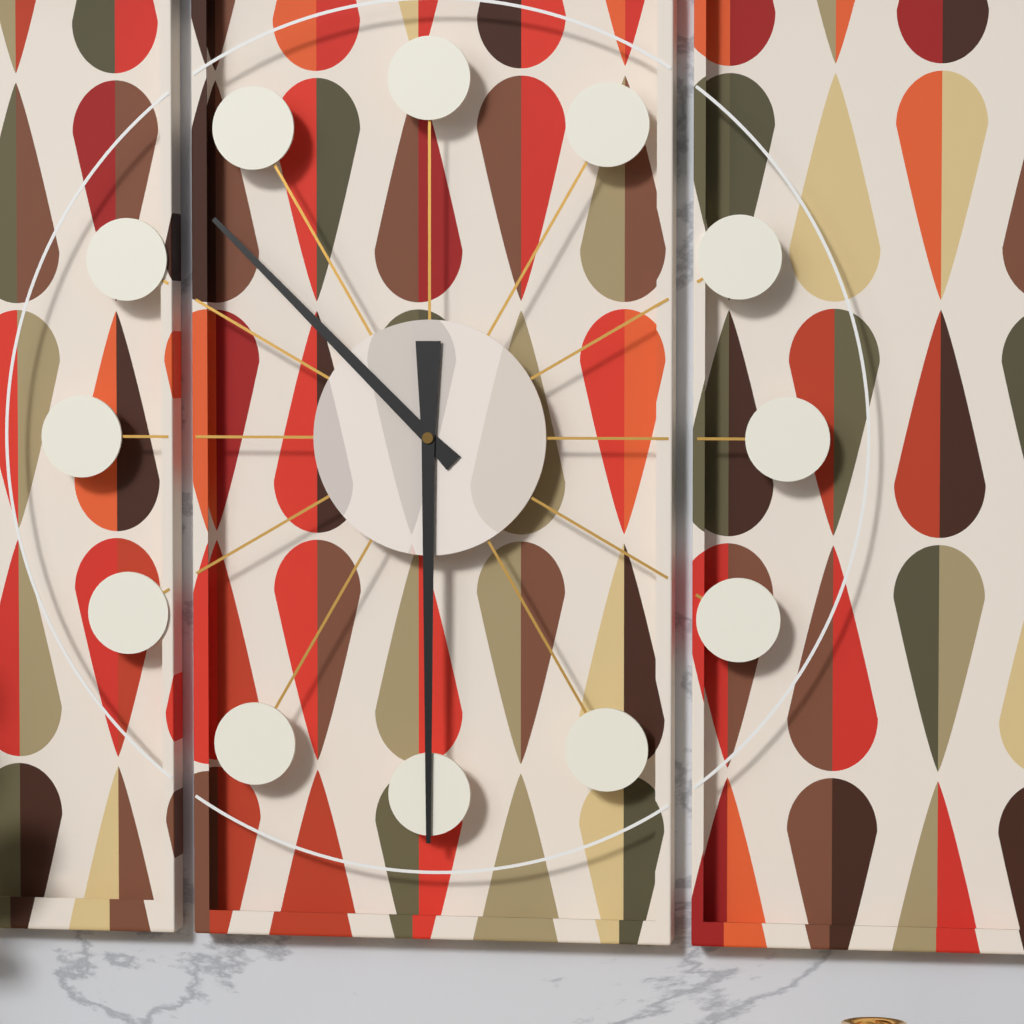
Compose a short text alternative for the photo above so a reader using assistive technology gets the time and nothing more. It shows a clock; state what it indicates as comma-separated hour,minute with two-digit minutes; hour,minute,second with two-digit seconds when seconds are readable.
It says 10,30
